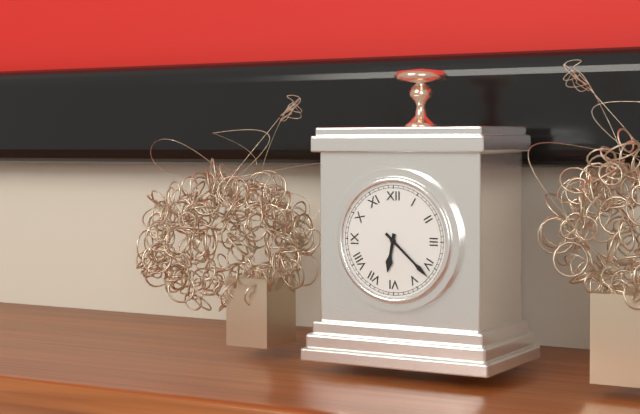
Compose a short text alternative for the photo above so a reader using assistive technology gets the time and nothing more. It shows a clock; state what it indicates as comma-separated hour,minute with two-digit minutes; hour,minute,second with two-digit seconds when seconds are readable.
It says 6,22
